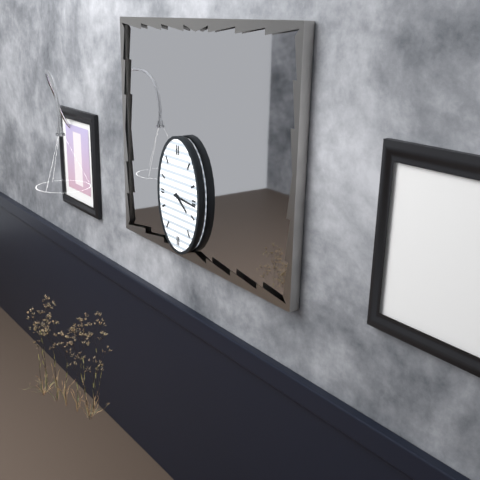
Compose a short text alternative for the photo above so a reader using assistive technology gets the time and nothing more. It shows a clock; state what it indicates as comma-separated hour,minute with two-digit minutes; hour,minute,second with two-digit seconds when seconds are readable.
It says 4,16
